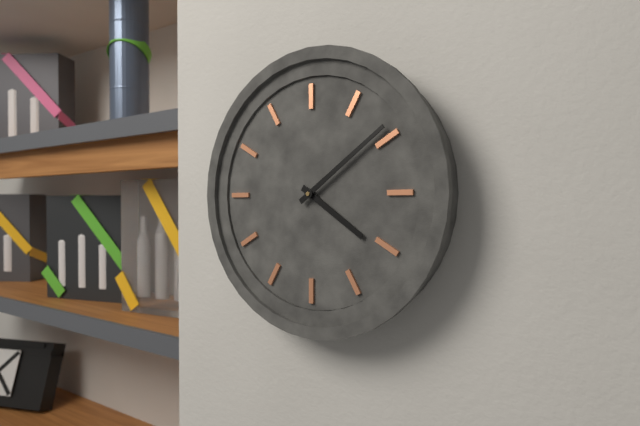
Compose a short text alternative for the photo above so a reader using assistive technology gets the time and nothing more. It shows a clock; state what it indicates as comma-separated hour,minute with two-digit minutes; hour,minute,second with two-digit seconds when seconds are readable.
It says 4,09
